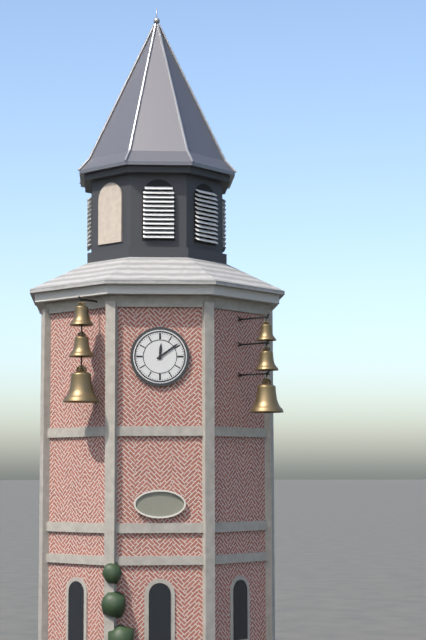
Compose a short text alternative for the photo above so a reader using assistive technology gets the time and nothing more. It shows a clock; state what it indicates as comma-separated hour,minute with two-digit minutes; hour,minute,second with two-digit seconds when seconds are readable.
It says 12,09
